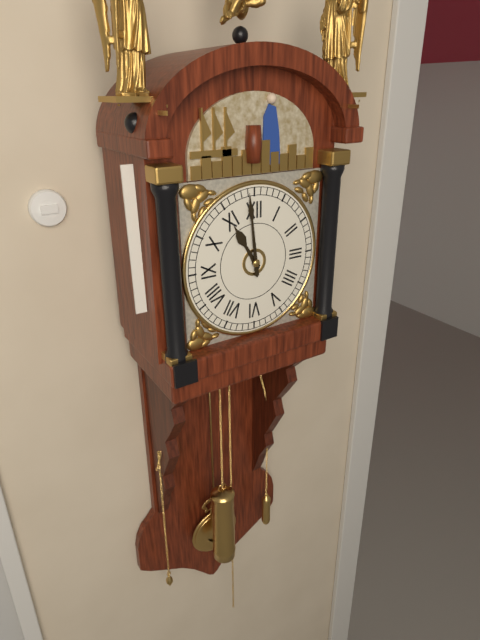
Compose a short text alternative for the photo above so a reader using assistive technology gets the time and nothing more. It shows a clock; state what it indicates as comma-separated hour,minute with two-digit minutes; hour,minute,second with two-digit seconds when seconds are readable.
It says 10,59
